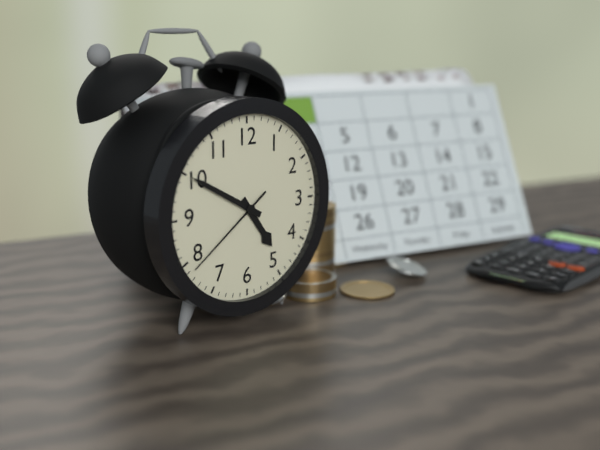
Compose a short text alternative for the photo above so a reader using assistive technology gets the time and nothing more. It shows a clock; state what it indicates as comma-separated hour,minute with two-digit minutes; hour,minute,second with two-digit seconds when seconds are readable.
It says 4,50,39
